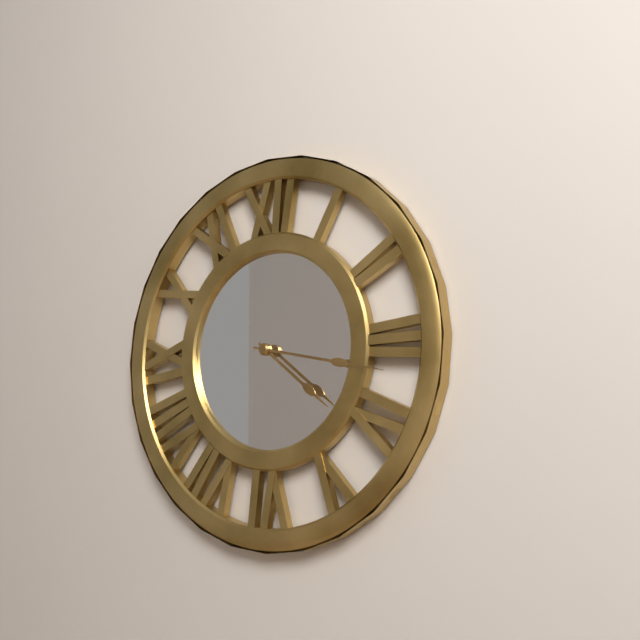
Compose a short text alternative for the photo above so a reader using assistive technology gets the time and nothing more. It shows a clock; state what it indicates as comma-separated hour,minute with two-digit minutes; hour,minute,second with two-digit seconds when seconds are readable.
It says 4,17
